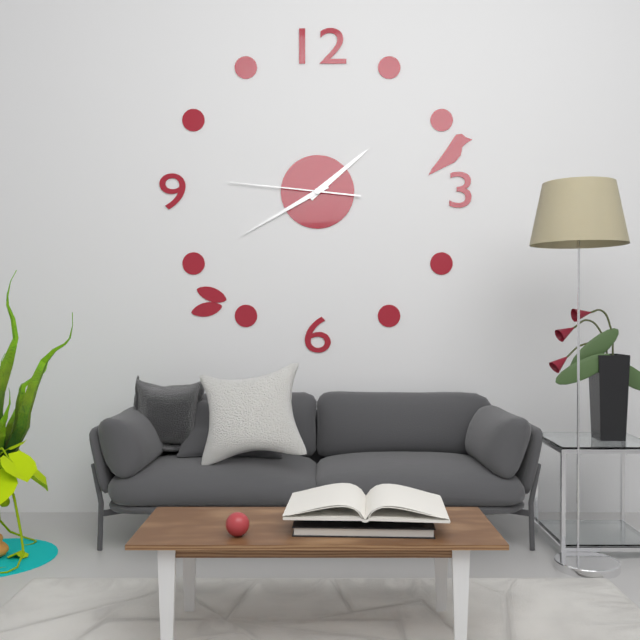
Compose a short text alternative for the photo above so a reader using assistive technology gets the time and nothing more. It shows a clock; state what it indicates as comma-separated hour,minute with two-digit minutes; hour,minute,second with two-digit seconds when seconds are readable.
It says 1,40,46
